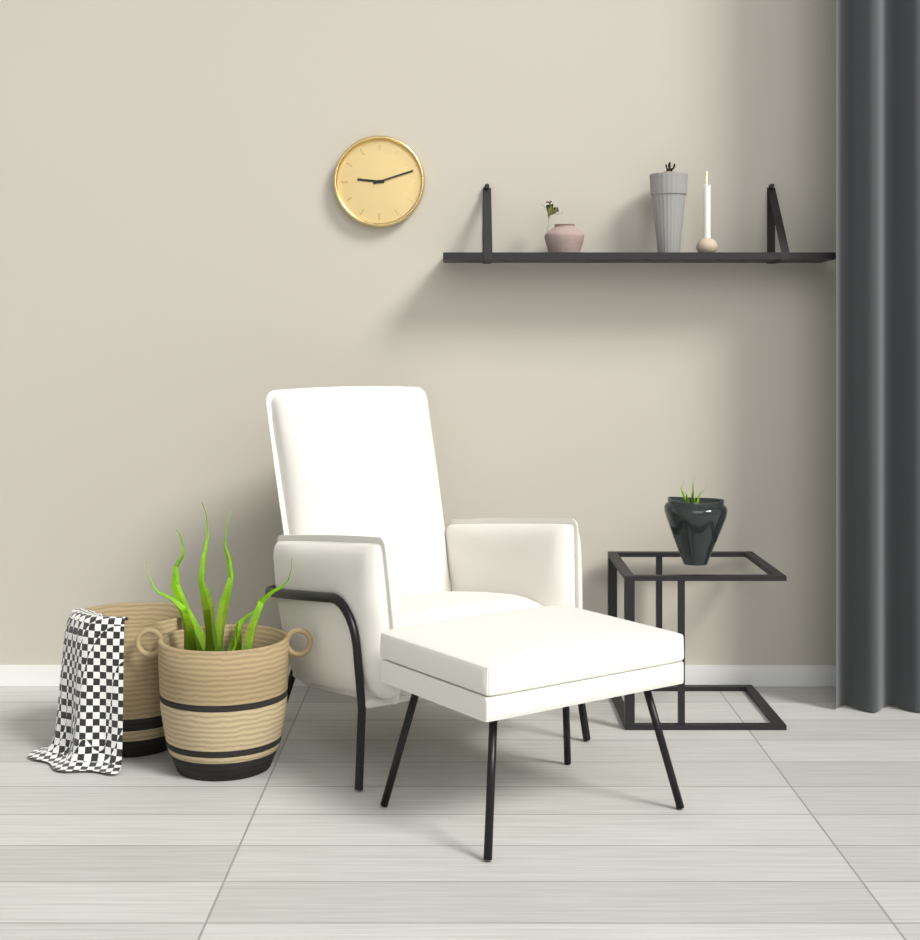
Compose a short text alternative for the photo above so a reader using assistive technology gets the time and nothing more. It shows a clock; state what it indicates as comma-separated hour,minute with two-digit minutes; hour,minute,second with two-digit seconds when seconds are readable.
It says 9,12
